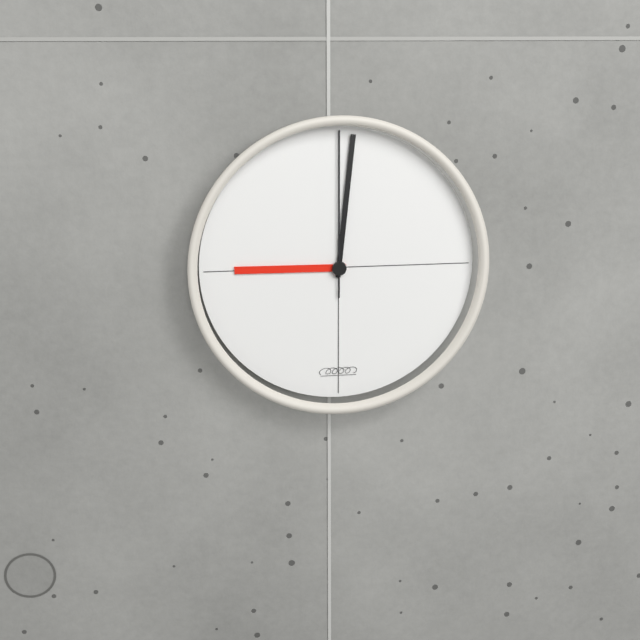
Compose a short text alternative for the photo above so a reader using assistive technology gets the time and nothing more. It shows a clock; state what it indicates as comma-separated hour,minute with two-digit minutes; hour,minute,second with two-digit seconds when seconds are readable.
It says 9,01,00
